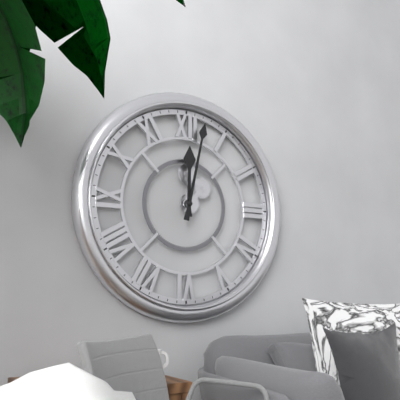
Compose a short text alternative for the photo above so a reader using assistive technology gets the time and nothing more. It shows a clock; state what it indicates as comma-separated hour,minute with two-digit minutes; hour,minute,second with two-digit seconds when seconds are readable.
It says 12,02
